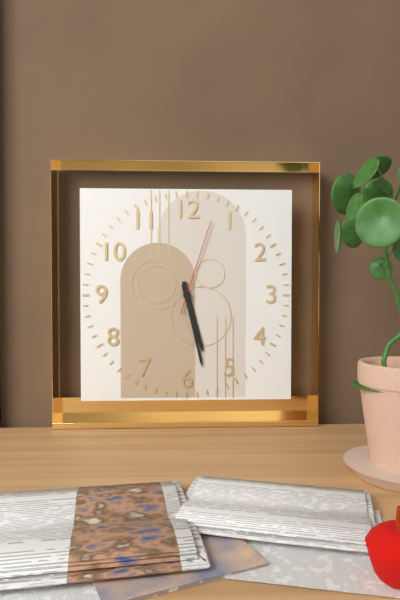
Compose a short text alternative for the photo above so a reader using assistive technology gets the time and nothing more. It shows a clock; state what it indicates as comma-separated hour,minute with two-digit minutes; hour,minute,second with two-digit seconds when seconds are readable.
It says 5,28,03
